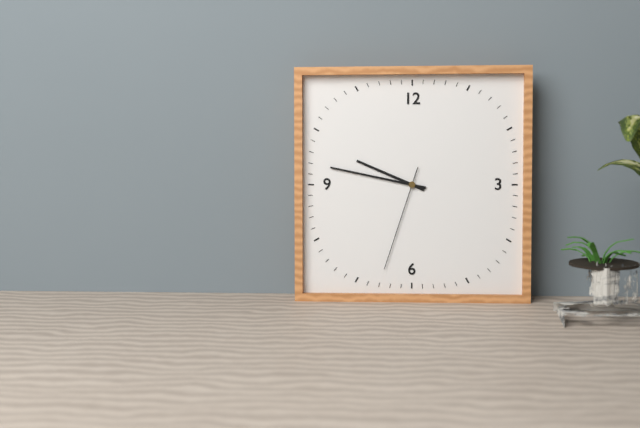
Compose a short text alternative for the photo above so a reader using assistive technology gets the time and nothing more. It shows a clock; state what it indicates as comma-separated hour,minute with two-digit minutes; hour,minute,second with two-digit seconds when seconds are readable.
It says 9,47,33
